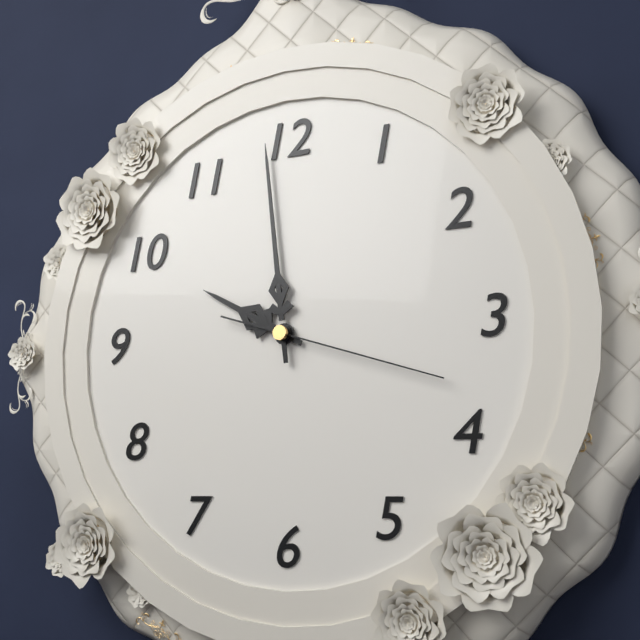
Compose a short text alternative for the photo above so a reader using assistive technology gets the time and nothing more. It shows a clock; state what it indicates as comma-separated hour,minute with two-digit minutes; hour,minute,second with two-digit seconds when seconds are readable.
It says 9,59,18
